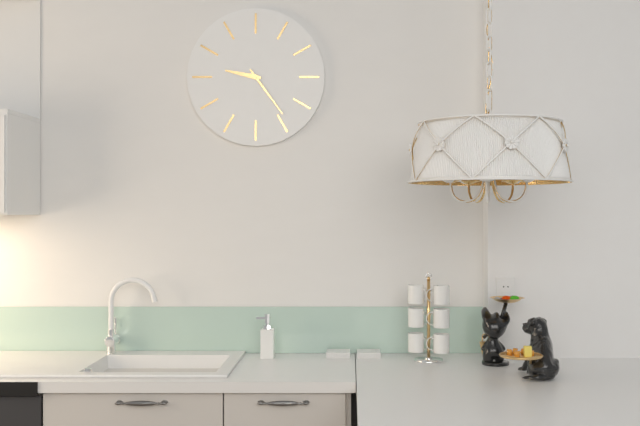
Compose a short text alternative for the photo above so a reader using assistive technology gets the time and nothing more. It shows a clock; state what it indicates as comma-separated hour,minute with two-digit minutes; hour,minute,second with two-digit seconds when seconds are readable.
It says 9,24
